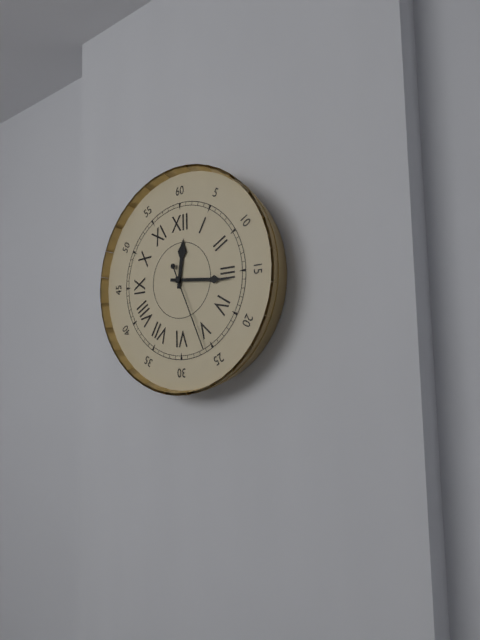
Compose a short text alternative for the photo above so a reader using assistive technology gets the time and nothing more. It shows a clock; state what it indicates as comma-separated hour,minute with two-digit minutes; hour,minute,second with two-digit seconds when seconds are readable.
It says 12,16,26
